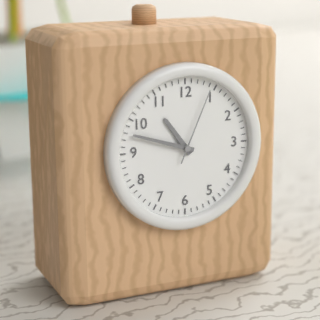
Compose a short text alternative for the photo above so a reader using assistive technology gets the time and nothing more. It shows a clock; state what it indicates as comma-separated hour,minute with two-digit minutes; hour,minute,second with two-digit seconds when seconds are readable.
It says 10,48,04
